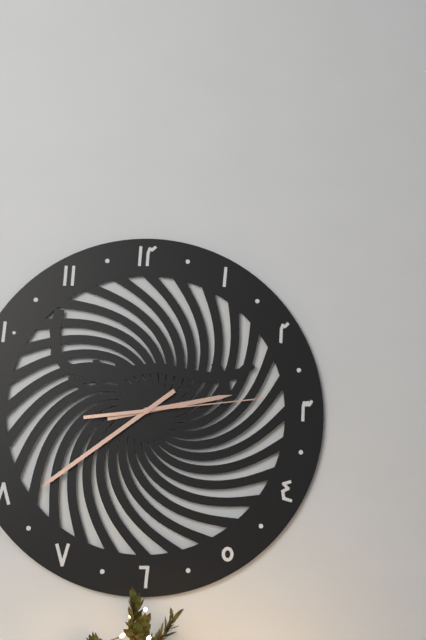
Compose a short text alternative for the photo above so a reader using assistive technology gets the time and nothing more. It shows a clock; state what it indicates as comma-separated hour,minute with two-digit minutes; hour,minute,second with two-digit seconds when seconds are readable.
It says 2,39,14
